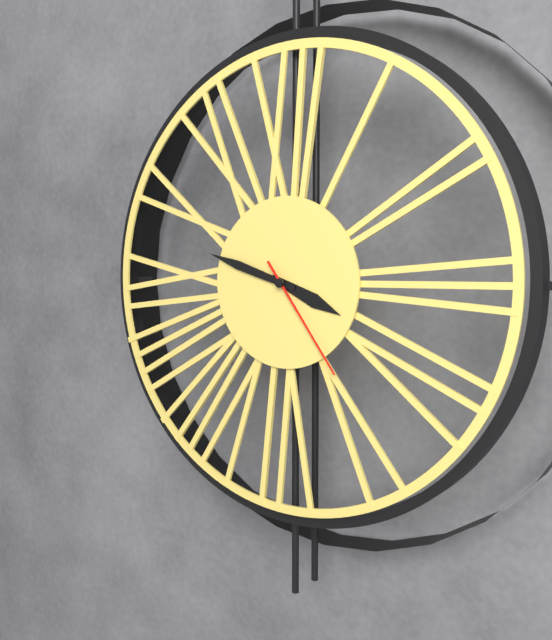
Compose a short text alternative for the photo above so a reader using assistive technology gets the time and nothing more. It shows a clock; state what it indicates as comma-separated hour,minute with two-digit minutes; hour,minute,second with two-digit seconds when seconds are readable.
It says 3,48,24
